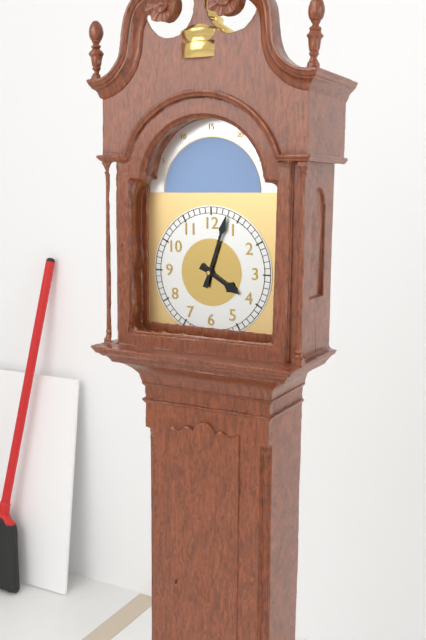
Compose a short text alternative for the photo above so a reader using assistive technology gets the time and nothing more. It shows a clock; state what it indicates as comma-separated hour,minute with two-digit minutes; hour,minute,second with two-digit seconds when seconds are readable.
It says 4,03
